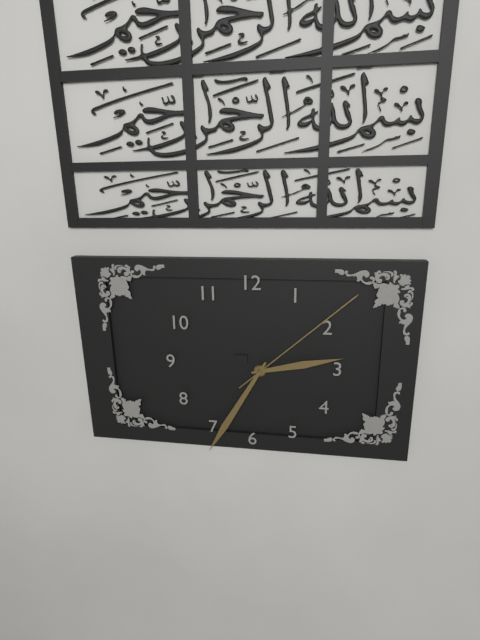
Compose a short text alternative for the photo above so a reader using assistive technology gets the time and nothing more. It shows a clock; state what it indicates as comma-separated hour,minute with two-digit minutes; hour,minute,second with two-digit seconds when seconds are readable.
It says 2,35,08
